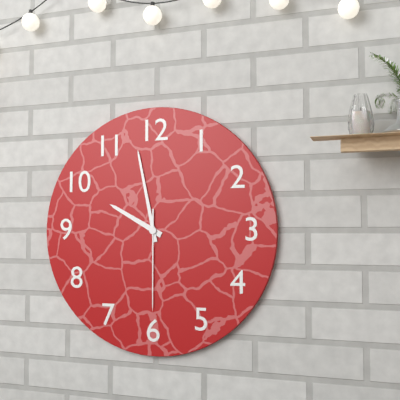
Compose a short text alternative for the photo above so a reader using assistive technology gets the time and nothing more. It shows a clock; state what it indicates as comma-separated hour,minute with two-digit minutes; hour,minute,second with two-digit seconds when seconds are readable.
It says 9,58,30
